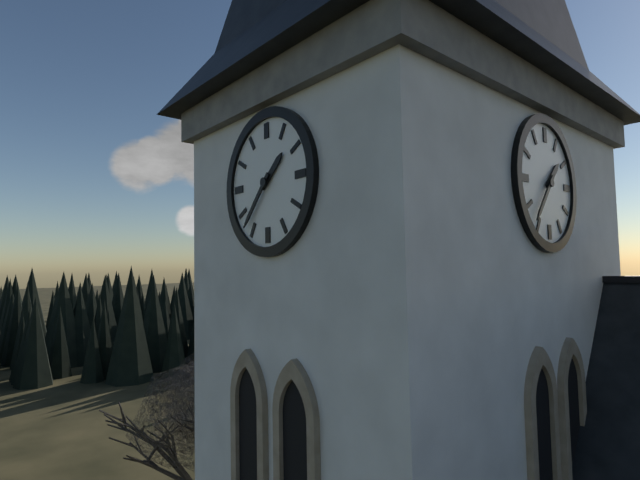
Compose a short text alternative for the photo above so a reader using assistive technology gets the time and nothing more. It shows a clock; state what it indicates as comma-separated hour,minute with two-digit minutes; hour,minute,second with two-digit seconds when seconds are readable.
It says 1,37
